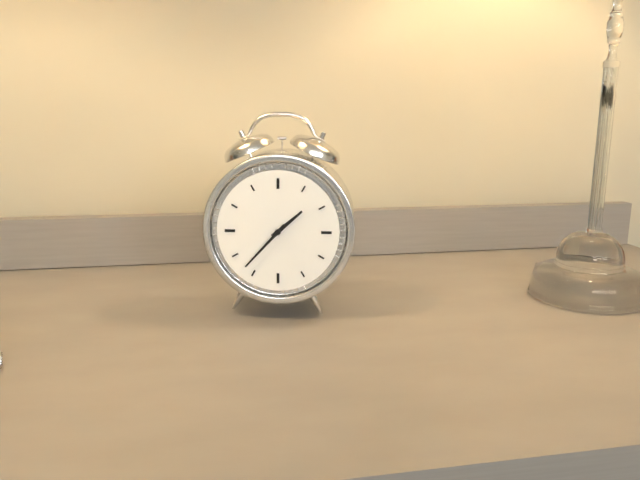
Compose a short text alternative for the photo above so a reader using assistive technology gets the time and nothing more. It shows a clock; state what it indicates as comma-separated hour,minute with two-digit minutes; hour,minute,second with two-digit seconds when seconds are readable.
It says 1,37
